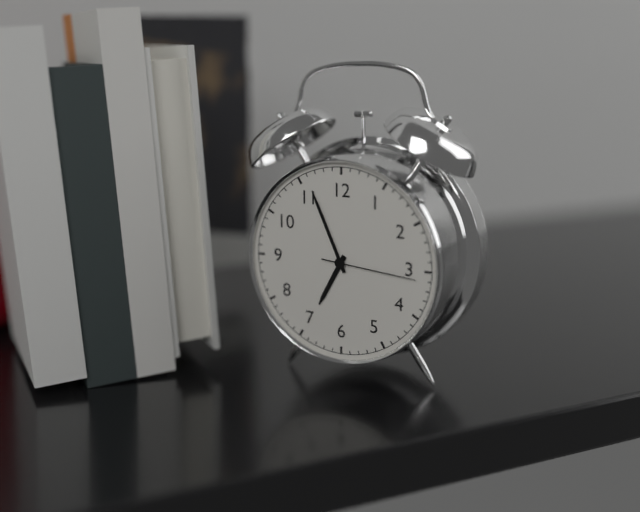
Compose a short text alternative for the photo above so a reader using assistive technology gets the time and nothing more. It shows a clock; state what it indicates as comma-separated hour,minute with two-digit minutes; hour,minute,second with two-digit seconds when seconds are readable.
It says 6,56,16
